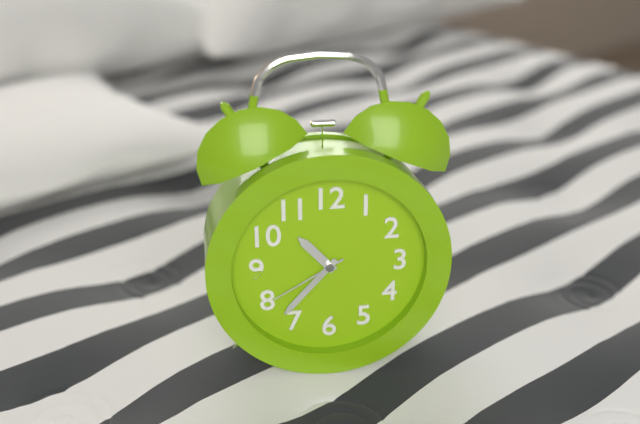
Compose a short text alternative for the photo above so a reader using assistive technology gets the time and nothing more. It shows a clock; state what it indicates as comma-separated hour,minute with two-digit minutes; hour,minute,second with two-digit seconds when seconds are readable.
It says 10,37,40
